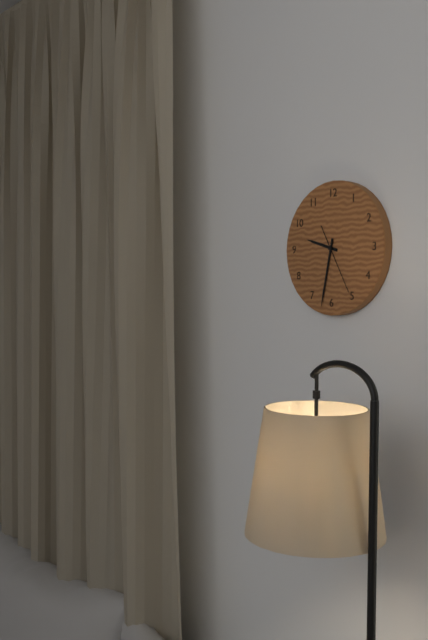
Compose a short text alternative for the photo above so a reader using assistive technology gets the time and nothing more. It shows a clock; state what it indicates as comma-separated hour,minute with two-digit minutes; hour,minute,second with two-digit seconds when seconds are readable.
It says 9,32,25
